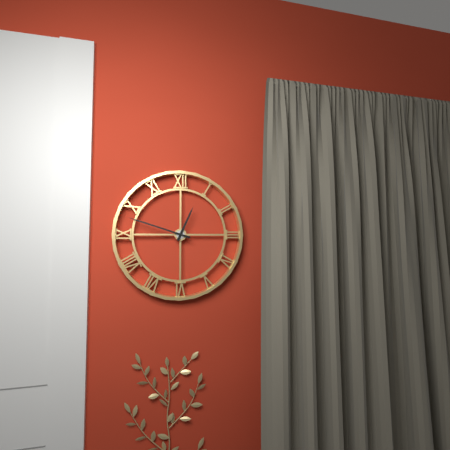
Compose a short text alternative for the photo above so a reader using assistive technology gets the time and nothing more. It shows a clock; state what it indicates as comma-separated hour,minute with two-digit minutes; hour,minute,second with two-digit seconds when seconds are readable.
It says 12,48
